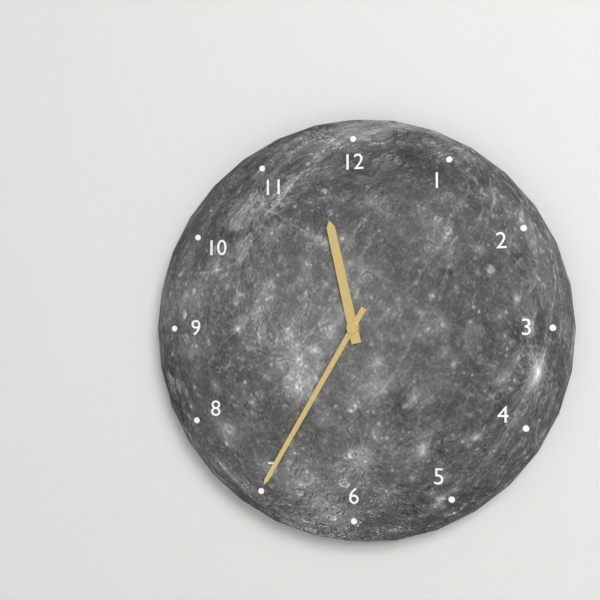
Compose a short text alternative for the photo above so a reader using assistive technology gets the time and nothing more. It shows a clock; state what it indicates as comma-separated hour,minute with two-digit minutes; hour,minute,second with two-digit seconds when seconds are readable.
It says 11,35
